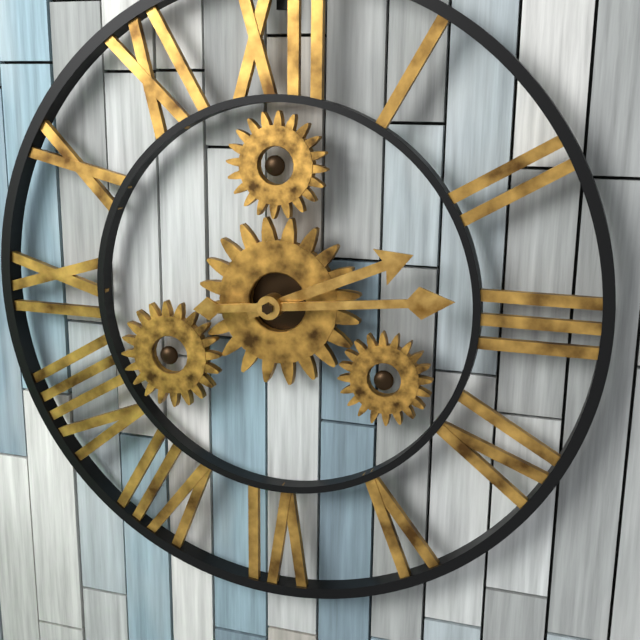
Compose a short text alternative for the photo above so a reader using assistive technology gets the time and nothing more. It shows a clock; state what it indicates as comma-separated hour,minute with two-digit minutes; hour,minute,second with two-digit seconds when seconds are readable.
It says 2,14
